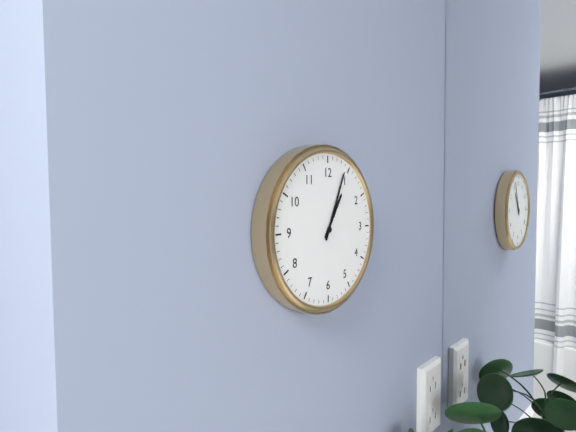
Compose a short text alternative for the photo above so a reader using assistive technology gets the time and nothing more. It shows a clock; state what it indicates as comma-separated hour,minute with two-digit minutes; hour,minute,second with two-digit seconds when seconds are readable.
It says 1,04
